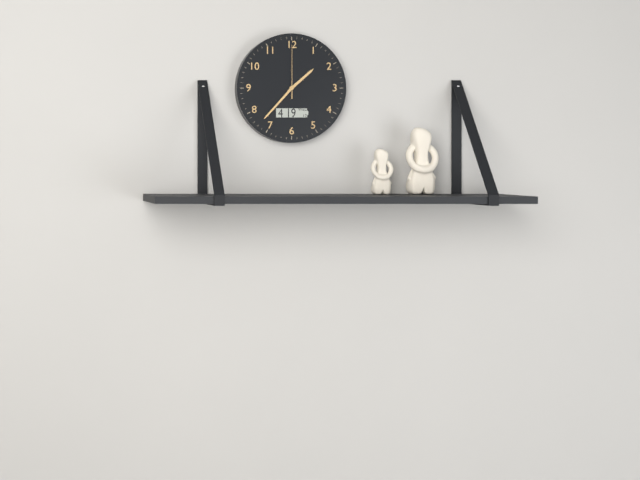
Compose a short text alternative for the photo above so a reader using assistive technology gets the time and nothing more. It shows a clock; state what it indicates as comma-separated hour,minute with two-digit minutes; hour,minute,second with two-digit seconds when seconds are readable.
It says 1,37,00
